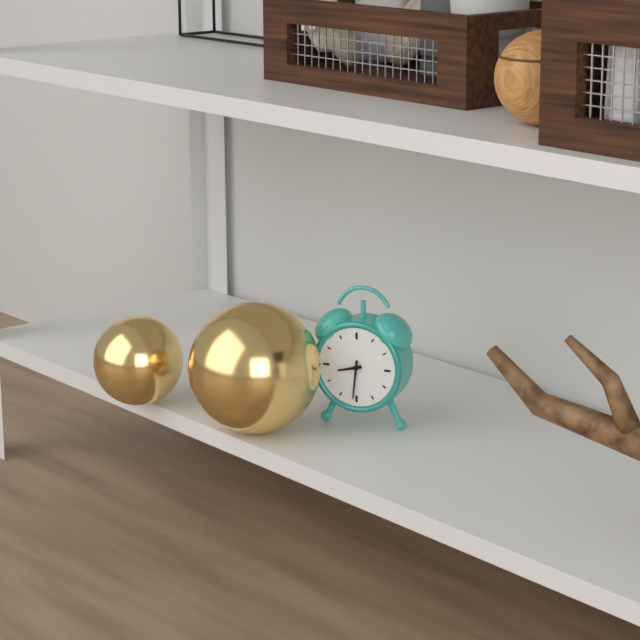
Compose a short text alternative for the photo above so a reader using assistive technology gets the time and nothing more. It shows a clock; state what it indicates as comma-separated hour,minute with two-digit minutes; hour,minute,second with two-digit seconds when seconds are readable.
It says 8,31
